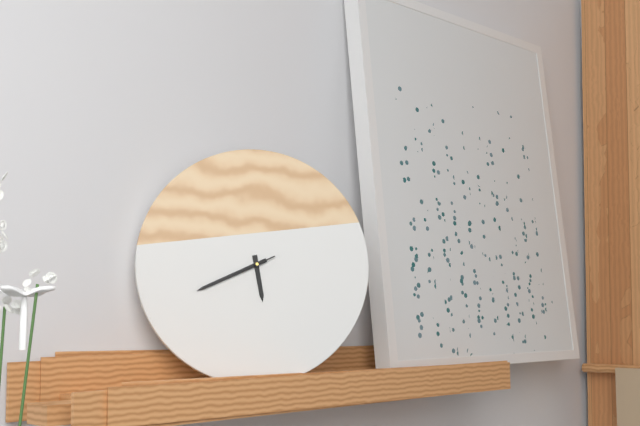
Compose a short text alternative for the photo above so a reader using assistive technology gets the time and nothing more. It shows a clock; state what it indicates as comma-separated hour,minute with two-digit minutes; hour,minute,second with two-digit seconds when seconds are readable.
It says 5,41,41
